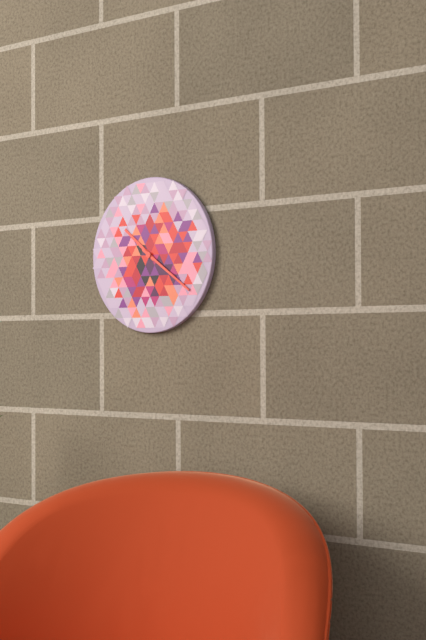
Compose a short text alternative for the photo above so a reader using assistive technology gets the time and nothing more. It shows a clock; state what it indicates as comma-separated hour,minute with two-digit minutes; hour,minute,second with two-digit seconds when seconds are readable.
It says 10,21
